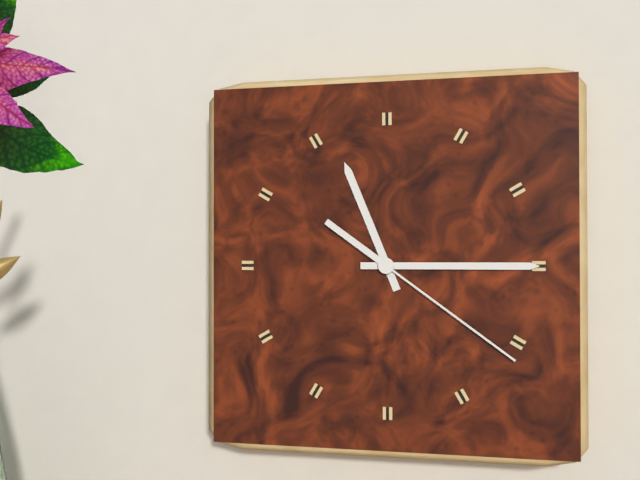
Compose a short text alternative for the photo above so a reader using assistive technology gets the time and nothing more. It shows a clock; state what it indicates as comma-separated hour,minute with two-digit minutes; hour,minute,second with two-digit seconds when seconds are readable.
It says 11,15,21
